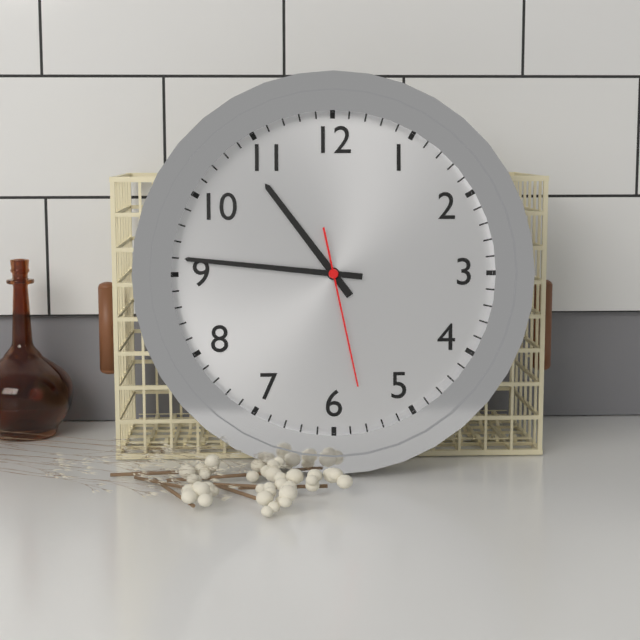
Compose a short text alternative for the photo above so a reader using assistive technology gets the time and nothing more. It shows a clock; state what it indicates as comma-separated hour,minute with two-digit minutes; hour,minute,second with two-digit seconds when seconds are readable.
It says 10,46,28
